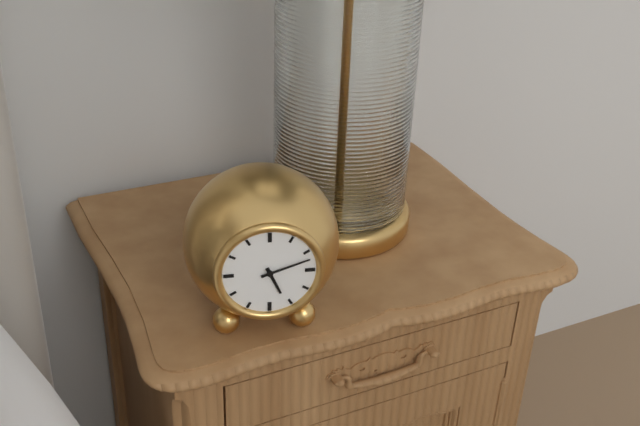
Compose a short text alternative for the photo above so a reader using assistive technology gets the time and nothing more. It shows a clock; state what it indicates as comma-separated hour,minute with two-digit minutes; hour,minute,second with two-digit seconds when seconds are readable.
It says 5,12
